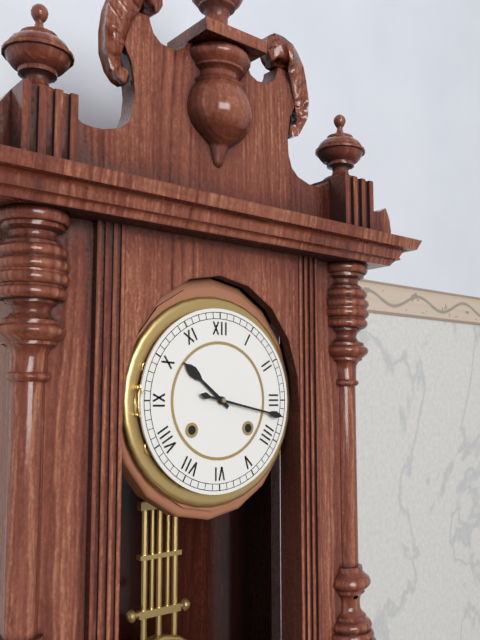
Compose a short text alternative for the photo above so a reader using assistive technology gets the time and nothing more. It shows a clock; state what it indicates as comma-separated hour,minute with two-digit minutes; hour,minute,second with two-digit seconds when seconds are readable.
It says 10,17
